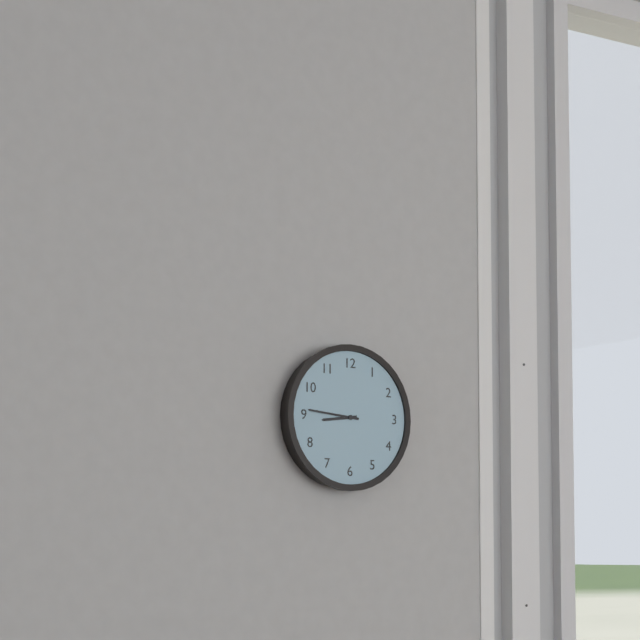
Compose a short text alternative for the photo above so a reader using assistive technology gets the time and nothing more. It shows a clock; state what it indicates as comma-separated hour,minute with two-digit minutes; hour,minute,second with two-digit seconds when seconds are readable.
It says 8,46
